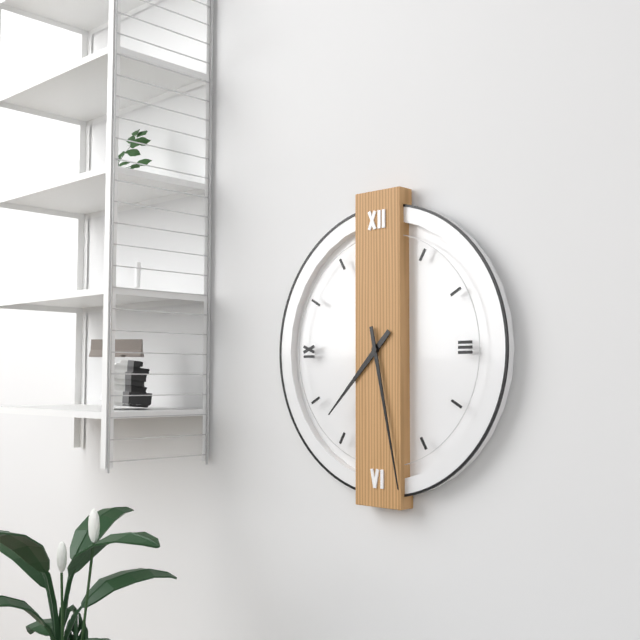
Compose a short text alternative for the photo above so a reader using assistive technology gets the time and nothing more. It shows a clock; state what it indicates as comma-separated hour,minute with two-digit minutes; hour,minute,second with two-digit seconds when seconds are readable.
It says 7,28
